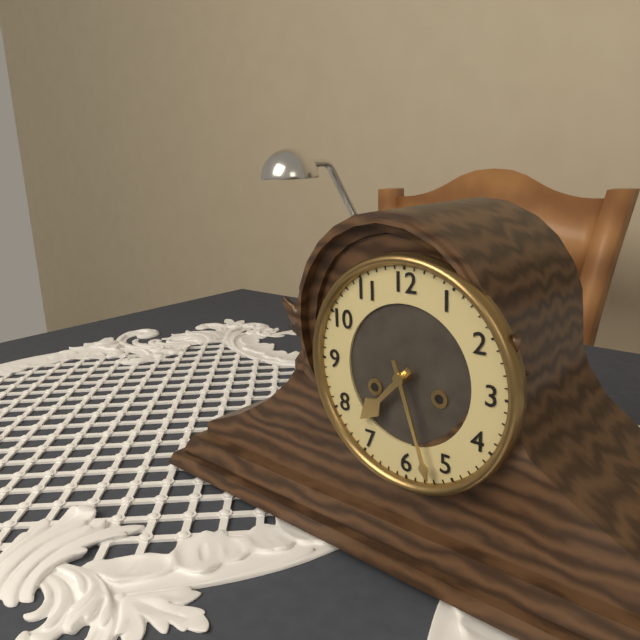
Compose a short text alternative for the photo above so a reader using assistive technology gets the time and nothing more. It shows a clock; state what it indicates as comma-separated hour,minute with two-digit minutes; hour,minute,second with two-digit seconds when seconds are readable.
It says 7,27
